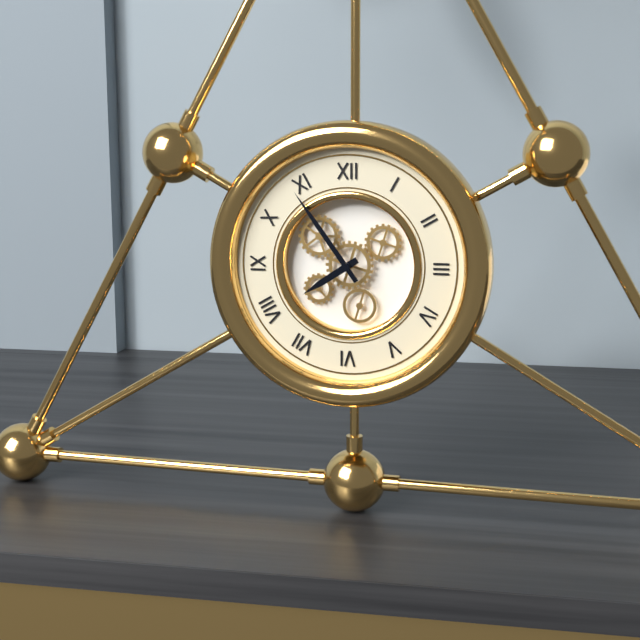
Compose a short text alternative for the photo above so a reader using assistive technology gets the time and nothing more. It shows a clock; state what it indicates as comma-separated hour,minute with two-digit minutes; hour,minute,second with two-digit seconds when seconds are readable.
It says 7,54
